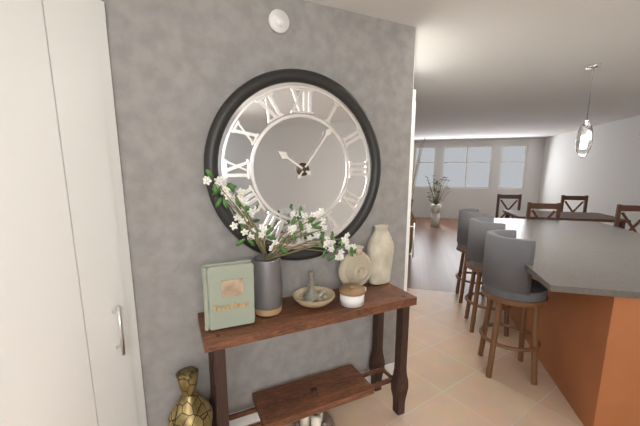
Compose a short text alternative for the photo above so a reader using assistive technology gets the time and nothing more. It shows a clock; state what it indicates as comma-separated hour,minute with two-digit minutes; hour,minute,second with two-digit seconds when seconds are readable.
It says 10,06
